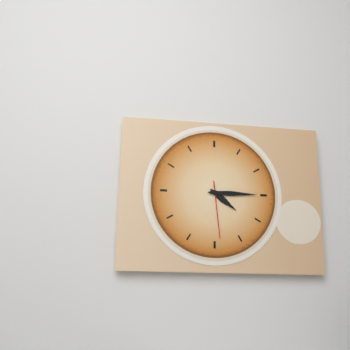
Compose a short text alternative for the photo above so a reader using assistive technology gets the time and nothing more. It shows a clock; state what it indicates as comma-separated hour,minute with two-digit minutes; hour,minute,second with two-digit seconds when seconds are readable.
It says 4,15,29
